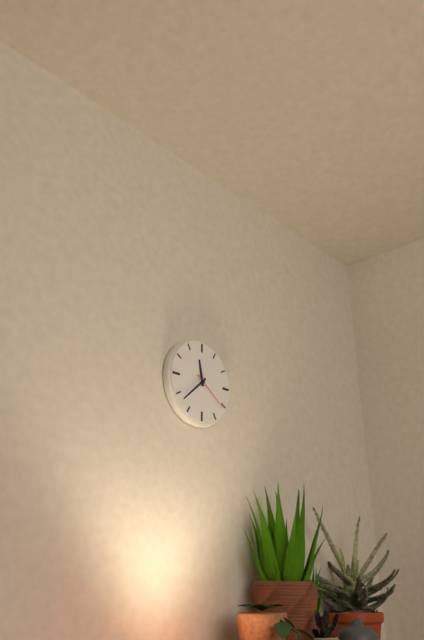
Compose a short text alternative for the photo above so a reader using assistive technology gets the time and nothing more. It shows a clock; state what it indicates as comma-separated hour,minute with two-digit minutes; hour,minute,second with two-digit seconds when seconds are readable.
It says 11,38
